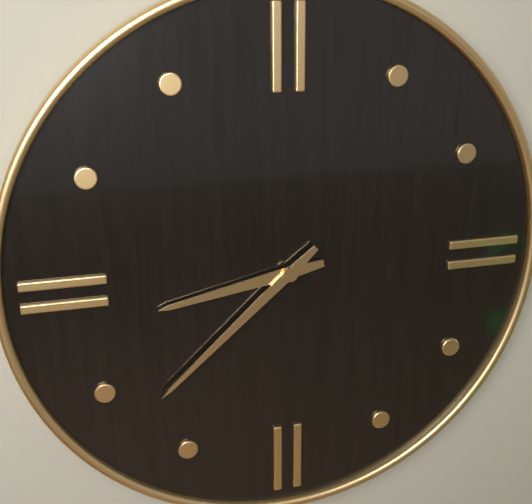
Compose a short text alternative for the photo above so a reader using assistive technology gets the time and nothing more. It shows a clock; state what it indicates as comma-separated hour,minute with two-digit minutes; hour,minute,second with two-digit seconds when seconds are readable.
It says 8,38
